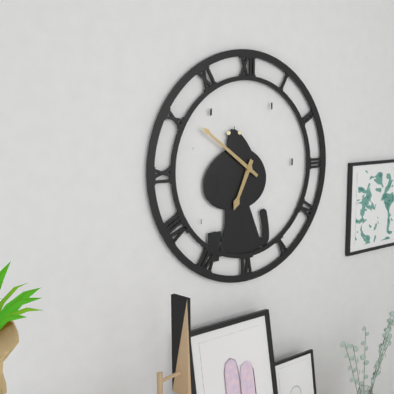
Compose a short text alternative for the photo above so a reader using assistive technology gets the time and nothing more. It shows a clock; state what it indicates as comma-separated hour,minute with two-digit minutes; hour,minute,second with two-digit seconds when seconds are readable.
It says 6,51
